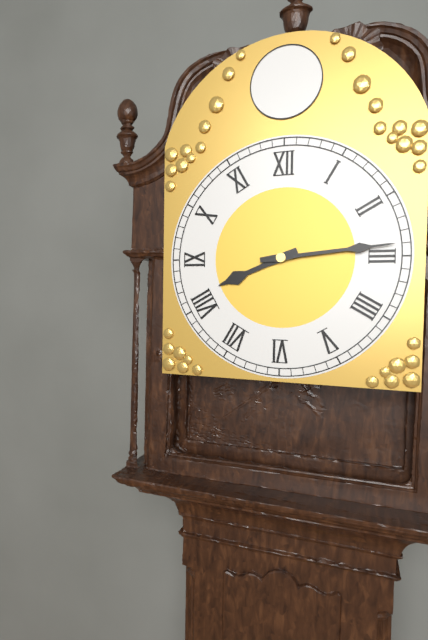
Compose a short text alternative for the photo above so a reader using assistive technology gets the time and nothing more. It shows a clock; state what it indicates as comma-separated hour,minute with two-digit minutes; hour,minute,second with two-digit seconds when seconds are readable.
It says 8,14
